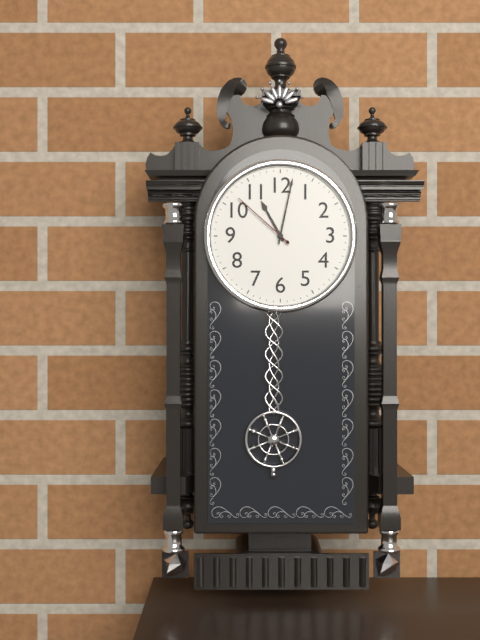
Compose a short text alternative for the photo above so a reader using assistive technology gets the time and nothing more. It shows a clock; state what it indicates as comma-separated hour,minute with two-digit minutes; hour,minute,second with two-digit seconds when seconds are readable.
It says 11,02,52
